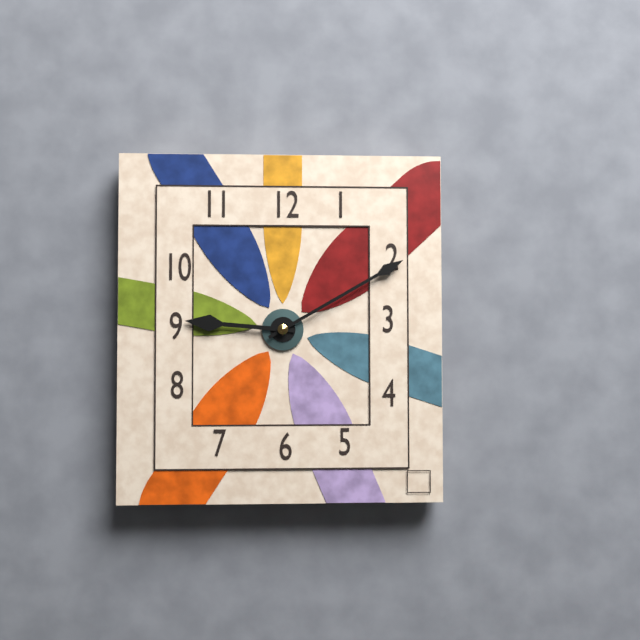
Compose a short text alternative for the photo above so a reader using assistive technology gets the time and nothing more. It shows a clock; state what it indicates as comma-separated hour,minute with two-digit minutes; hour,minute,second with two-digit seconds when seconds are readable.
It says 9,10
